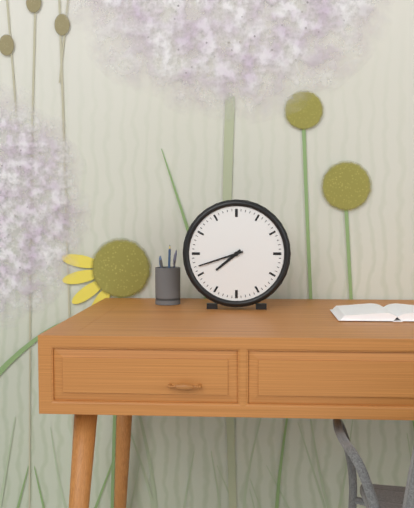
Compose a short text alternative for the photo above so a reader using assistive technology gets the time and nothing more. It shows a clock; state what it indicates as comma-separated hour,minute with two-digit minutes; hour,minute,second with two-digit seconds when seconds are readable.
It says 7,42
